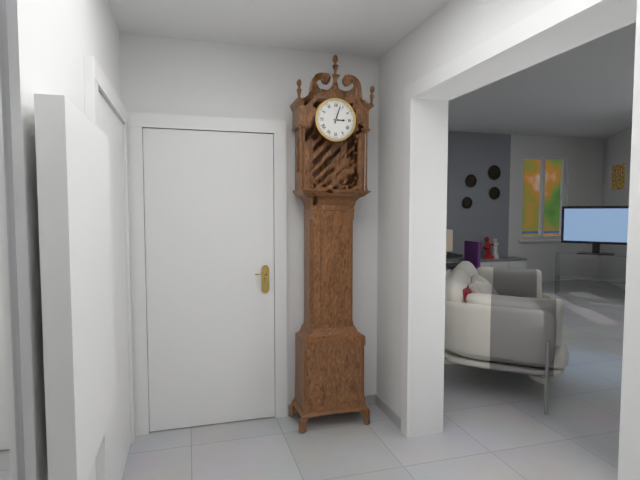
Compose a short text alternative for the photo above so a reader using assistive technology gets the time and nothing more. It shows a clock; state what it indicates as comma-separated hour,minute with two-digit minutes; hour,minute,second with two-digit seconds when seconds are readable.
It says 3,03
